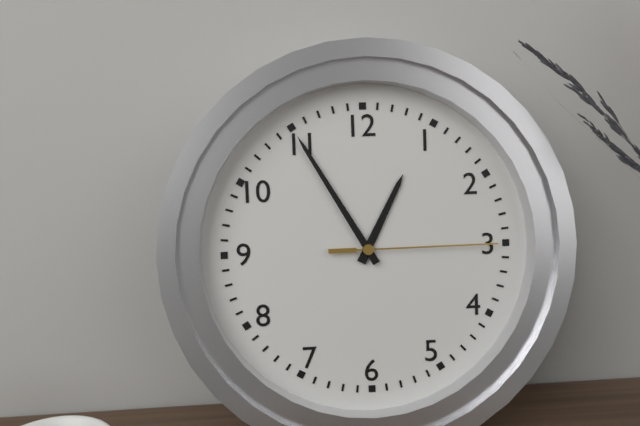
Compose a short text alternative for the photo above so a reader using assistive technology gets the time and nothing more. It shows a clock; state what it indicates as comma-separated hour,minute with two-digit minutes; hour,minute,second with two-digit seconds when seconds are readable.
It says 12,55,15
